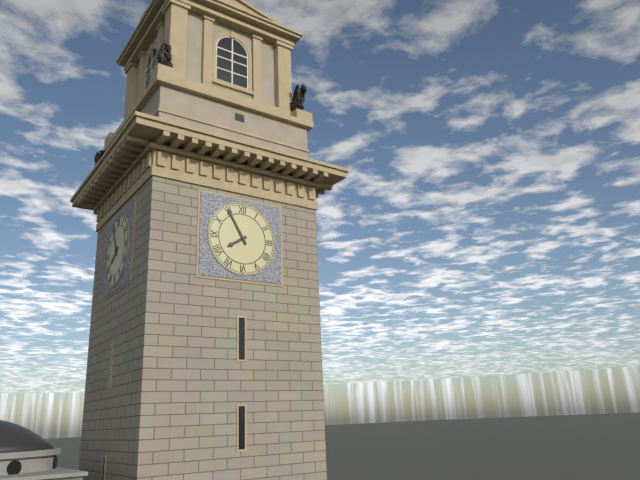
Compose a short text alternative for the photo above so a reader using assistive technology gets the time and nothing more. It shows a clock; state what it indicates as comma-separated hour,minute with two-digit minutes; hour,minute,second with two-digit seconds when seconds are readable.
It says 7,55
